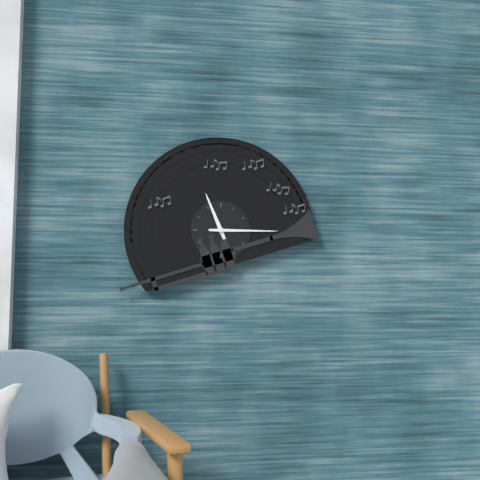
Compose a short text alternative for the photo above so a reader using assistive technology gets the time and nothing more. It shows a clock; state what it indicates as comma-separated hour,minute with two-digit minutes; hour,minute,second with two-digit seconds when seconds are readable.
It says 11,15
